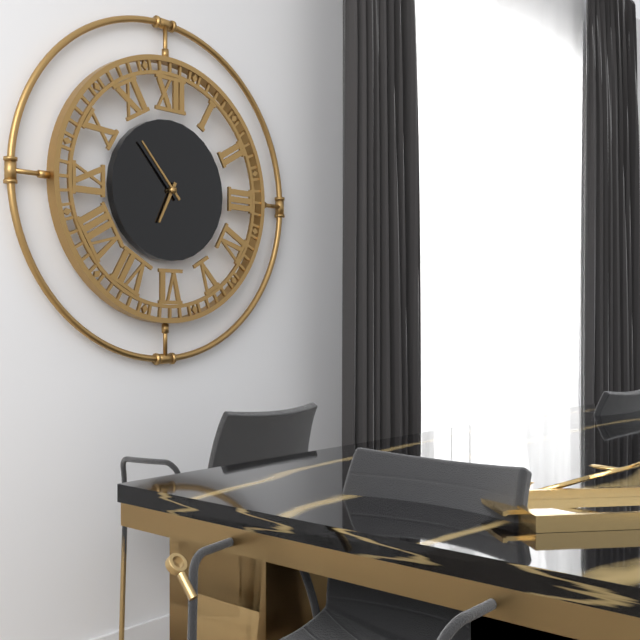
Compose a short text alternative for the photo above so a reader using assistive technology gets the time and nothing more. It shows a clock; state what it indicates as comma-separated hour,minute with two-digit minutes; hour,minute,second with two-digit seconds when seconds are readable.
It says 6,53
